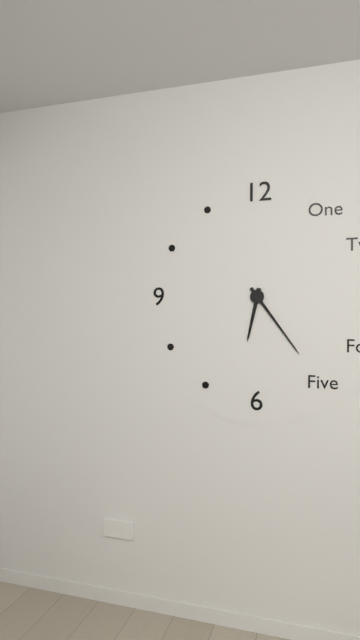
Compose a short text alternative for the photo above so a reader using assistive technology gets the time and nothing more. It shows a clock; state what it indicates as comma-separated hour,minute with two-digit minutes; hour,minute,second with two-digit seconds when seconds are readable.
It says 6,24
